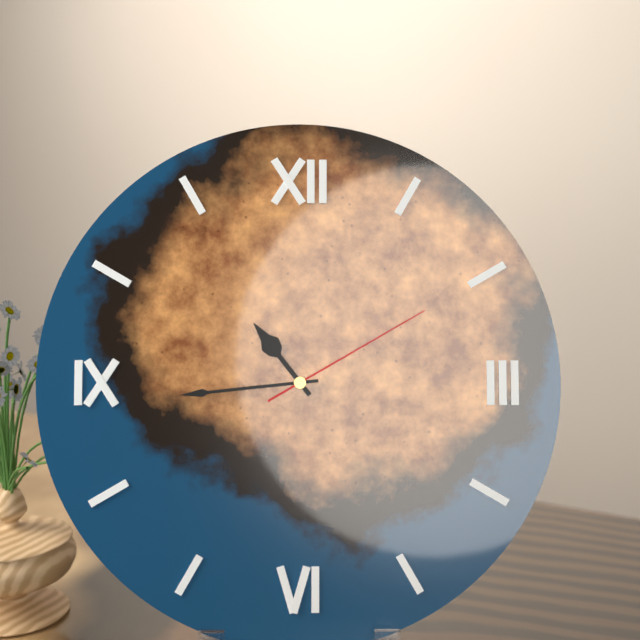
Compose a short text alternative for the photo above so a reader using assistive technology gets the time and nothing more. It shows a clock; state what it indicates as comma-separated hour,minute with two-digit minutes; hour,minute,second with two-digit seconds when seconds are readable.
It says 10,44,10
